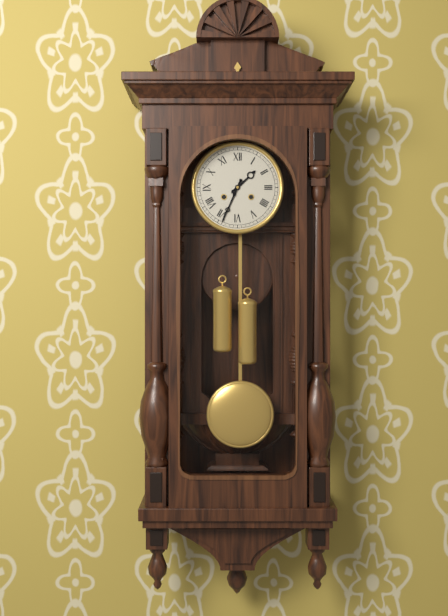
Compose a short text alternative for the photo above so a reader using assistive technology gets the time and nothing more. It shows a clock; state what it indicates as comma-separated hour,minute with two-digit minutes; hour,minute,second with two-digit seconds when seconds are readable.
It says 1,34
